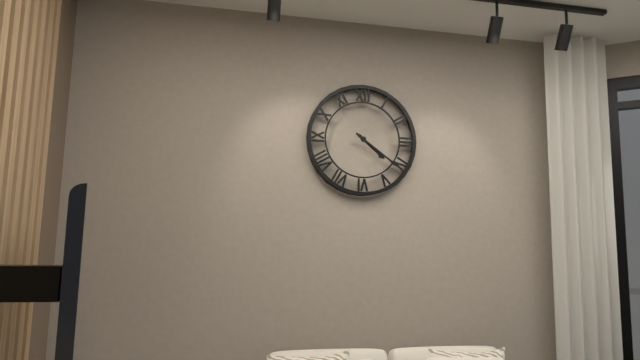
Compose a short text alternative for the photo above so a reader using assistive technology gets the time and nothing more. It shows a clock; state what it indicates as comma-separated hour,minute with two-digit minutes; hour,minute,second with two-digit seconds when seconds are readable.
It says 4,21
